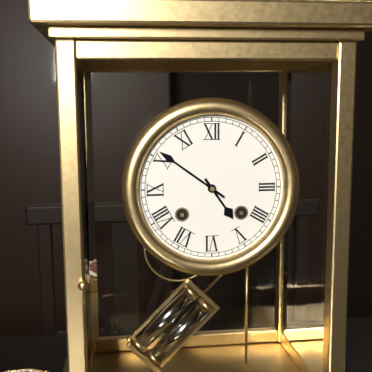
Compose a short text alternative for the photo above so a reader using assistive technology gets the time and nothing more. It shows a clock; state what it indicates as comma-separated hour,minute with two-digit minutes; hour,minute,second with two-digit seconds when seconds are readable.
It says 4,51
